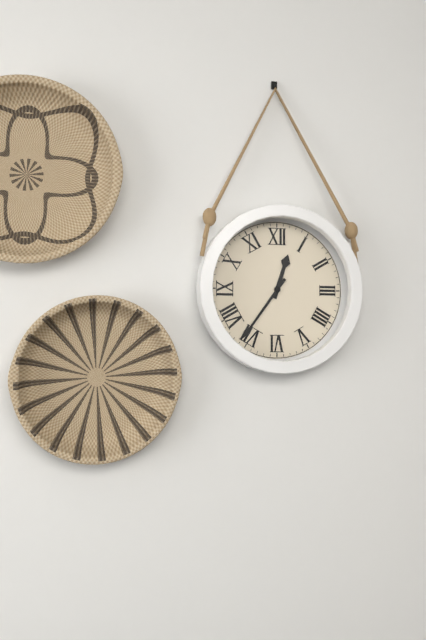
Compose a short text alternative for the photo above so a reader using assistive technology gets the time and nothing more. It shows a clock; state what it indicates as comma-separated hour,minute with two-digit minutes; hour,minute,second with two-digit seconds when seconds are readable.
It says 12,36
